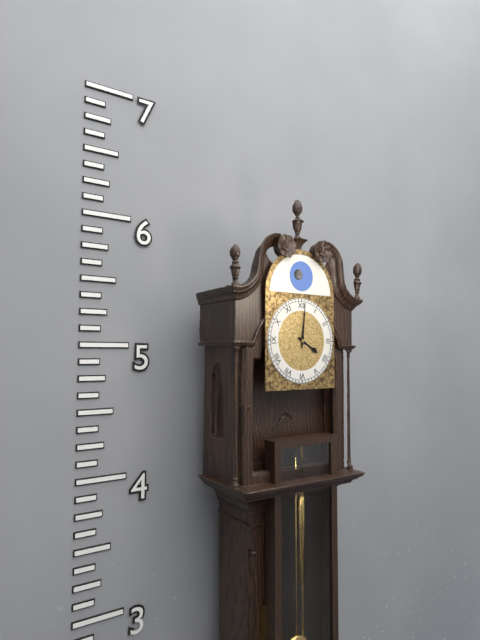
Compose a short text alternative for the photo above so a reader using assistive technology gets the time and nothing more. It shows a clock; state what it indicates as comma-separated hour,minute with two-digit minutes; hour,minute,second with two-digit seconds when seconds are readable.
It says 4,01
